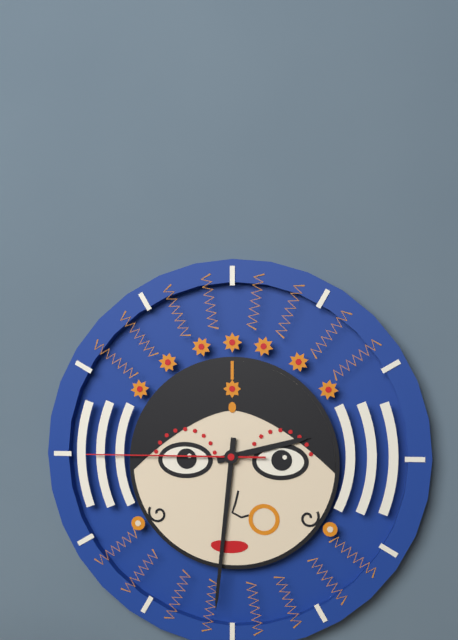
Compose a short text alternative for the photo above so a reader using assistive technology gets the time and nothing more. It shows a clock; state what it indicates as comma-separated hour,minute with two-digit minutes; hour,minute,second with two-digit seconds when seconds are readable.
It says 2,31,45
